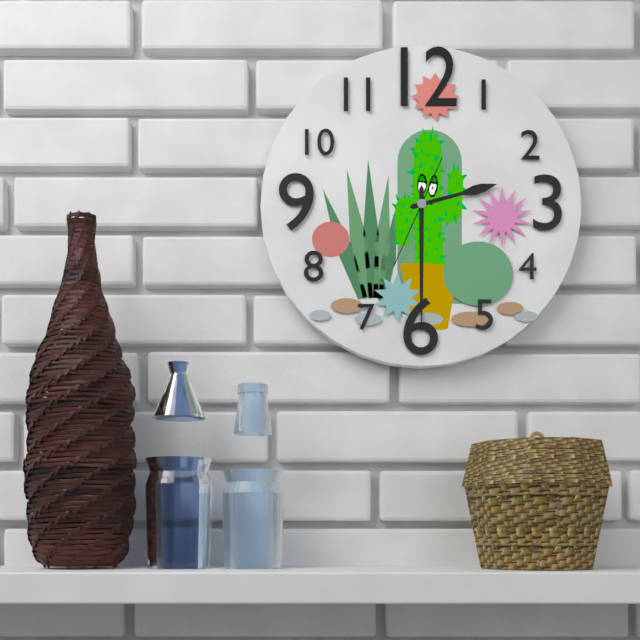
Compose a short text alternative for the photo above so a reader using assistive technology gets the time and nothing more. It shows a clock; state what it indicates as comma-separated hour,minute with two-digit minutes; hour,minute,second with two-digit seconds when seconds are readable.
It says 2,30,34
